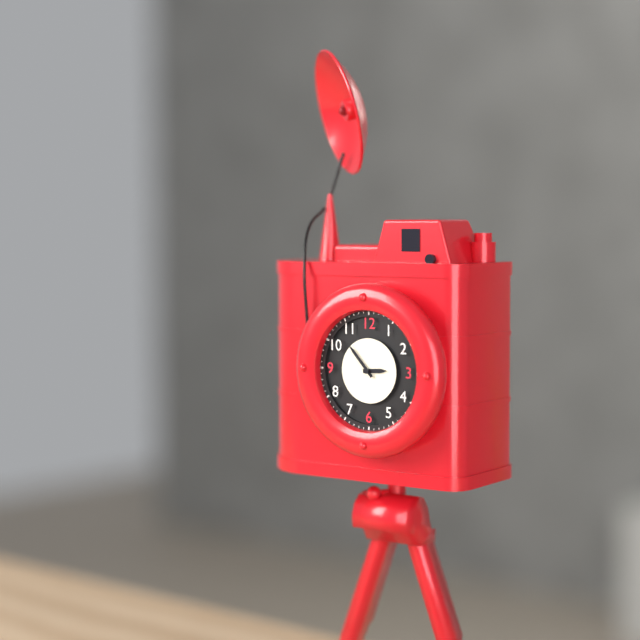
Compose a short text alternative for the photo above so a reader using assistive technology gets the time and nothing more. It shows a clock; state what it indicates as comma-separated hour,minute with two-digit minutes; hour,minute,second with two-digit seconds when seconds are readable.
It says 2,53
